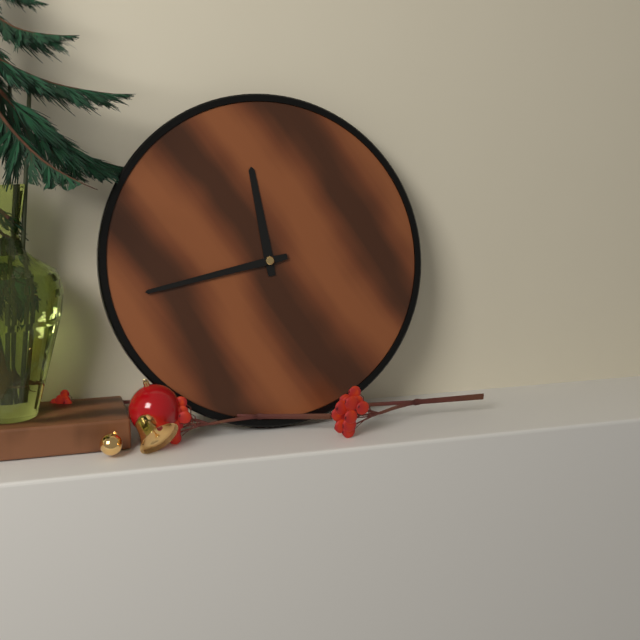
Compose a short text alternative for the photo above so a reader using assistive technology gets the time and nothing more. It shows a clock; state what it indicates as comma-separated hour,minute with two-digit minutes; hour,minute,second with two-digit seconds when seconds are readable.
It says 11,43
